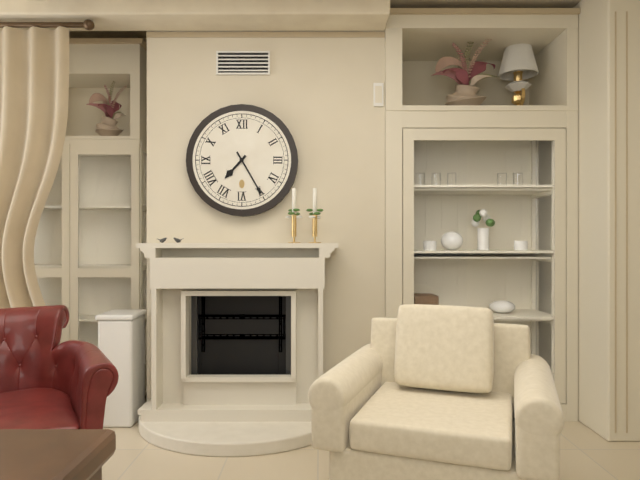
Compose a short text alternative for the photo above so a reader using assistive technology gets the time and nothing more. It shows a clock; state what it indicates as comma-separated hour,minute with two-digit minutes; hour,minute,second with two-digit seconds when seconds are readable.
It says 7,25
